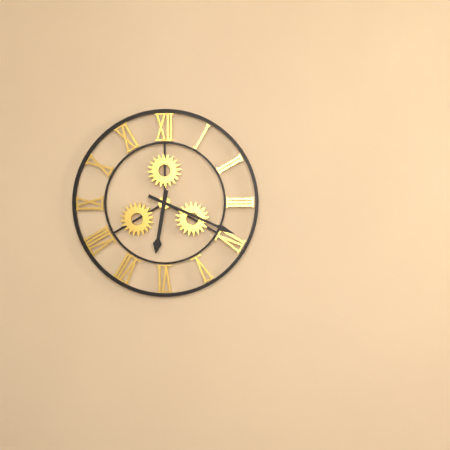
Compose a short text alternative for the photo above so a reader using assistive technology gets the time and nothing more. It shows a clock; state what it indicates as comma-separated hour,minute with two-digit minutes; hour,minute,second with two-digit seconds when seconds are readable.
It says 6,19
